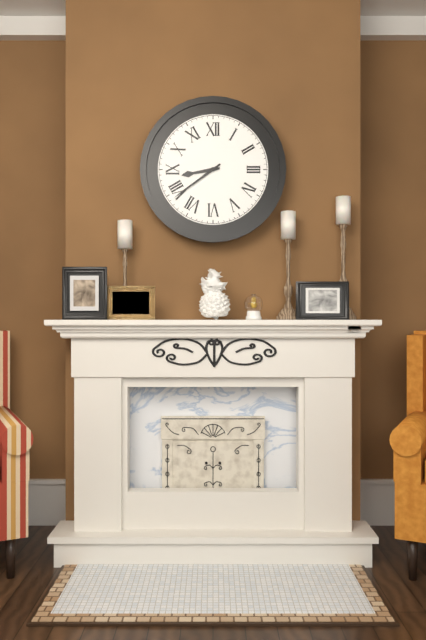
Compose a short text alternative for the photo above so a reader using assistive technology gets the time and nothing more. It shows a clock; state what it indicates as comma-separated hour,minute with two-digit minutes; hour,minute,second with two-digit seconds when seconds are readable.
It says 8,39
